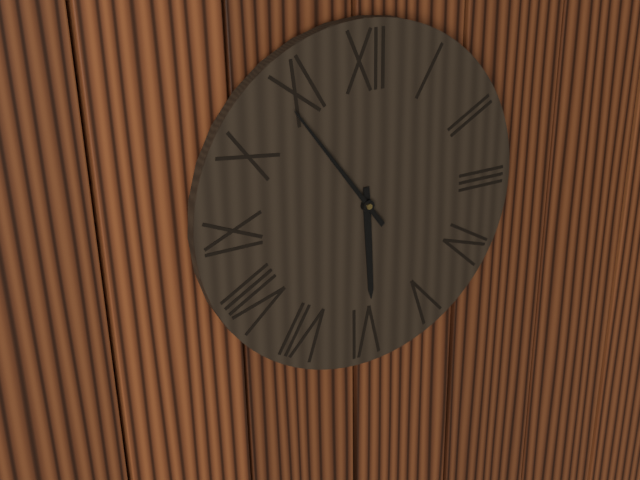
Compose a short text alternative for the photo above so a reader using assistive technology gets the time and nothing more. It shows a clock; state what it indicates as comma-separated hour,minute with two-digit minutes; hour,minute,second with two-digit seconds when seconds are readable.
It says 5,54
